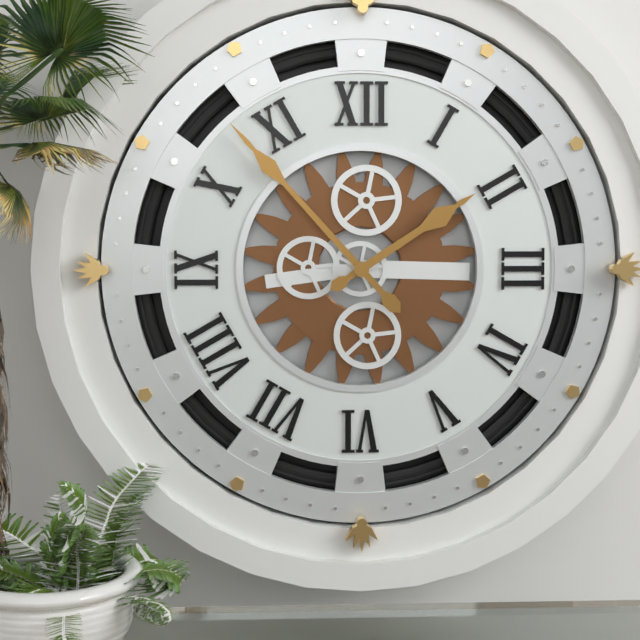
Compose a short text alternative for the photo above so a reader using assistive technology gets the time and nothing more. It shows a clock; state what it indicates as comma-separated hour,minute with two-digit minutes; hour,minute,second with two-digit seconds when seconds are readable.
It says 1,53
